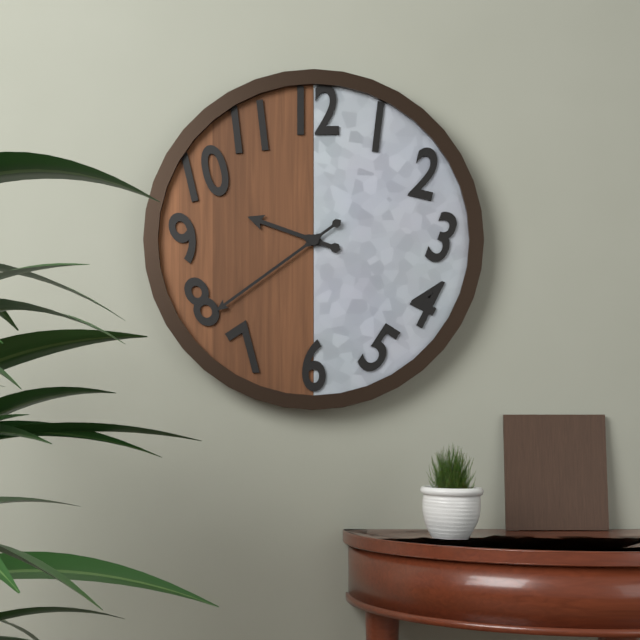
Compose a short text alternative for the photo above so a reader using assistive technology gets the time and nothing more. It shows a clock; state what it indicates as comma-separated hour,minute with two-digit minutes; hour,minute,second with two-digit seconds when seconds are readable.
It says 9,39
